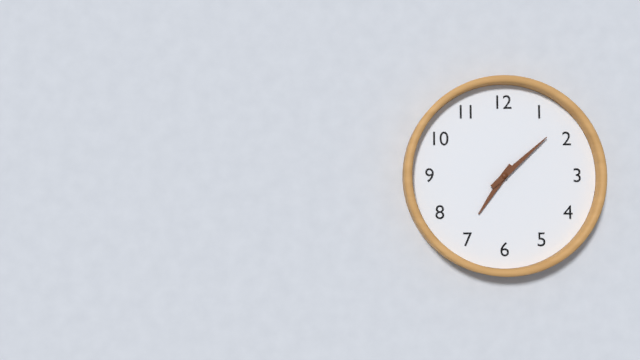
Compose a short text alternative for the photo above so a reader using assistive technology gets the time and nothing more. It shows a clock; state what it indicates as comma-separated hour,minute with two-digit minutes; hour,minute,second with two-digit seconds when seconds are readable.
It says 7,08
